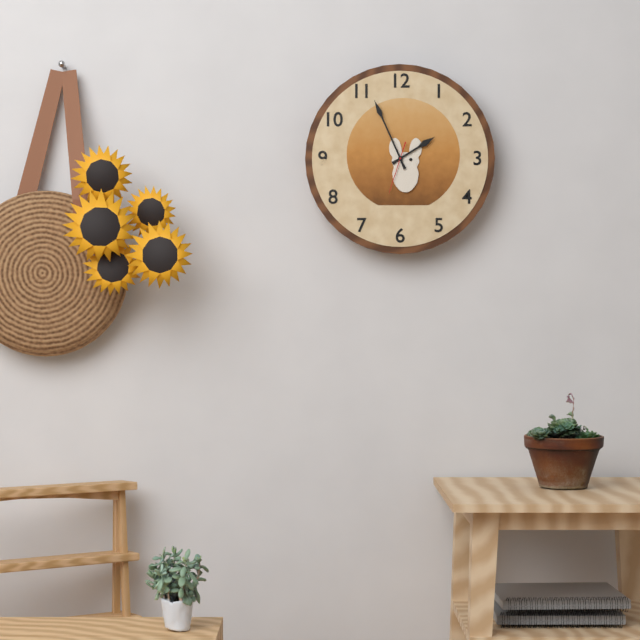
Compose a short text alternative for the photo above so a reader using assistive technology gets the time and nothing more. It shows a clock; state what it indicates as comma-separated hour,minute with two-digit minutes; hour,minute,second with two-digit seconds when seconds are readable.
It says 1,56
